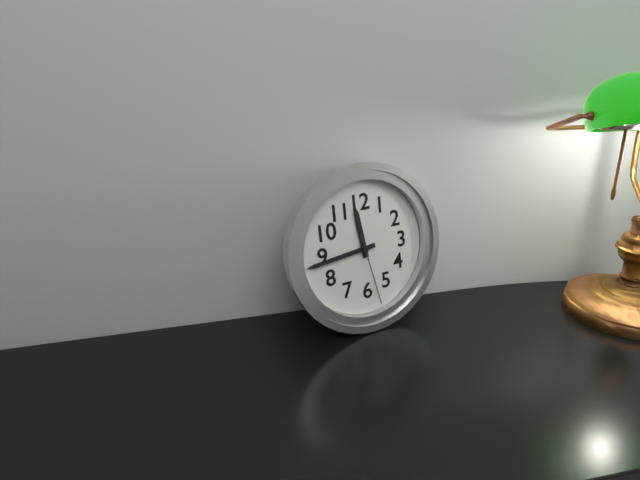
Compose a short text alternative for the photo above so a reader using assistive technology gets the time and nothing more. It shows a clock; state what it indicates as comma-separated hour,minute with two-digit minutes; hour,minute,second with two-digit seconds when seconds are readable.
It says 11,44,28
